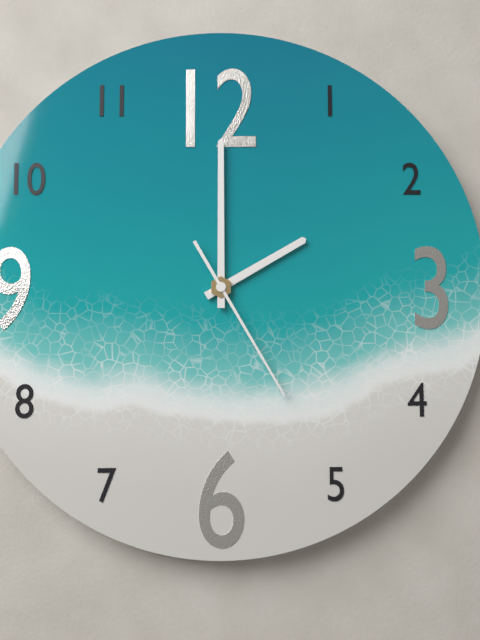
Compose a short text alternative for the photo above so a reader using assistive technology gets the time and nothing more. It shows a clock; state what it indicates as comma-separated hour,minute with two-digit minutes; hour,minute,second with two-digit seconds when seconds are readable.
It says 2,00,25
